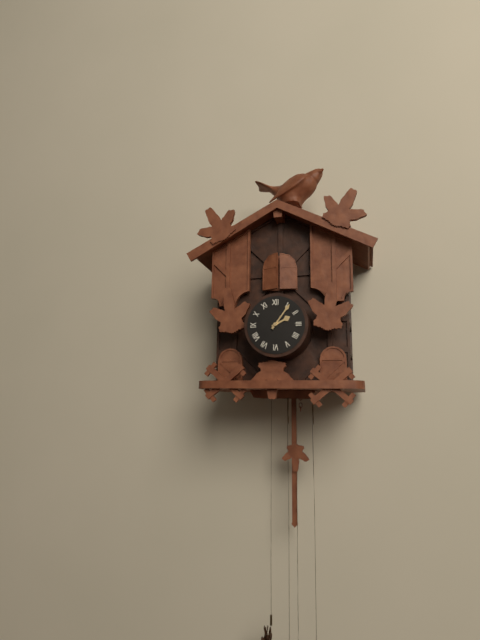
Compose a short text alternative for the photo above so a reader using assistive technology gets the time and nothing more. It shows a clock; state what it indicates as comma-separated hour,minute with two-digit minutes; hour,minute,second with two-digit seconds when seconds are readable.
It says 2,06
